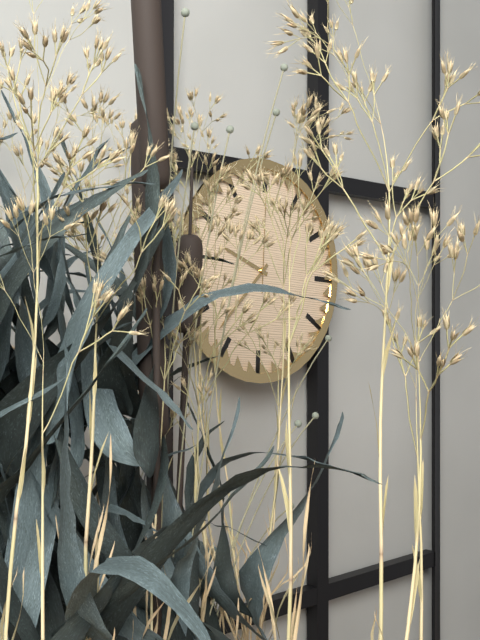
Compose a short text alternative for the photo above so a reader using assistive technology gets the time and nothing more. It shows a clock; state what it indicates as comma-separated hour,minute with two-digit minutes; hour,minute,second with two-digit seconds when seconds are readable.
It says 9,37,00
